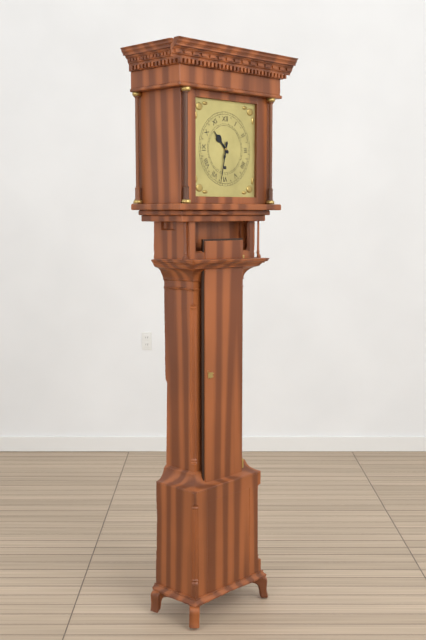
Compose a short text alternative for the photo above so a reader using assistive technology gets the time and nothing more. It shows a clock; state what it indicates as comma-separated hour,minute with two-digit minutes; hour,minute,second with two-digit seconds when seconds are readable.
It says 10,32
